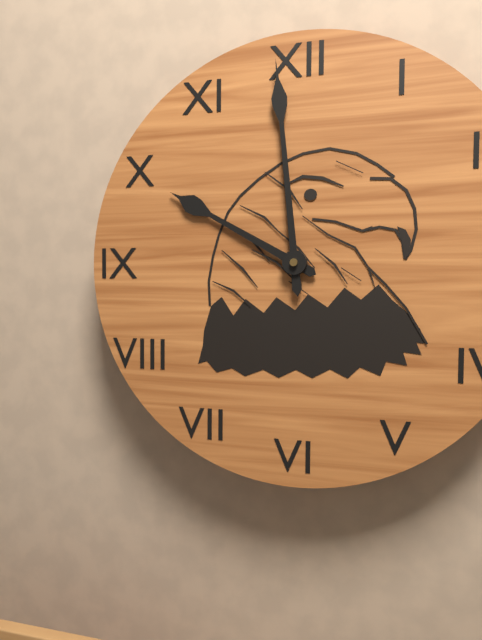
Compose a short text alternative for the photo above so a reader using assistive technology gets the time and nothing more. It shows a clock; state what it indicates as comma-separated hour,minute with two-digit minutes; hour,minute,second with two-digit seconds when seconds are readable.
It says 9,59
